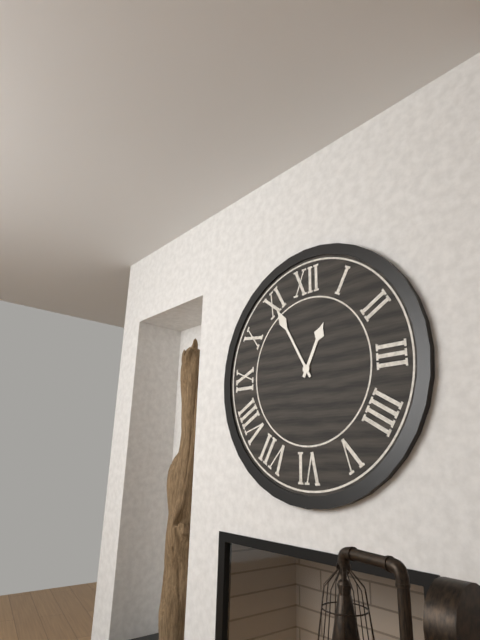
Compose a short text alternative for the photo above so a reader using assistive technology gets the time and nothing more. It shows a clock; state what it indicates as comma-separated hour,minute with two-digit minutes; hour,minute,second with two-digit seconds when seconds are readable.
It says 12,55
